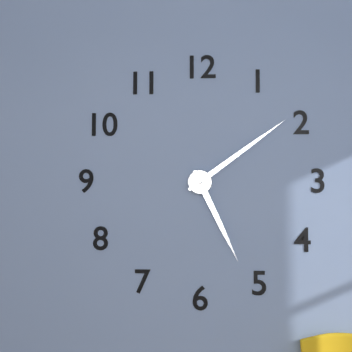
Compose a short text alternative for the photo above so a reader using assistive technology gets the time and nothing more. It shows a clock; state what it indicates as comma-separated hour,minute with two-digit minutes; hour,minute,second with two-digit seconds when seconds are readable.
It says 5,09
